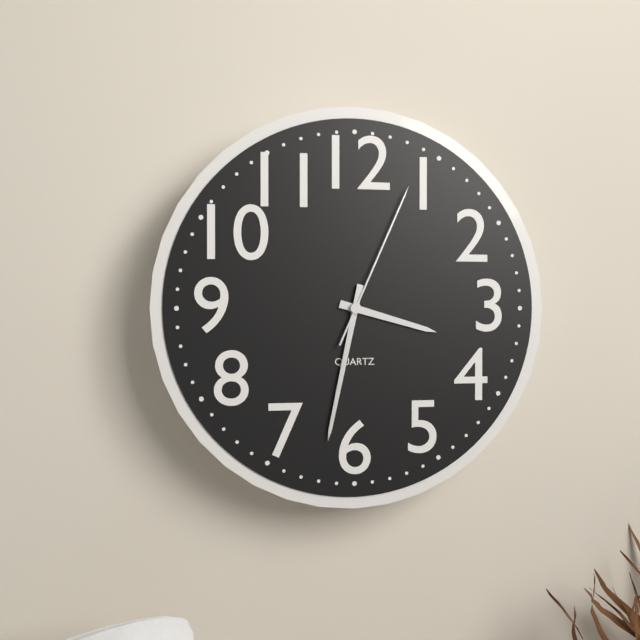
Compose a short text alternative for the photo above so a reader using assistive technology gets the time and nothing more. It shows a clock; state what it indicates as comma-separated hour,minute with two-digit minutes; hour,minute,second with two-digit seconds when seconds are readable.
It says 3,32,04
